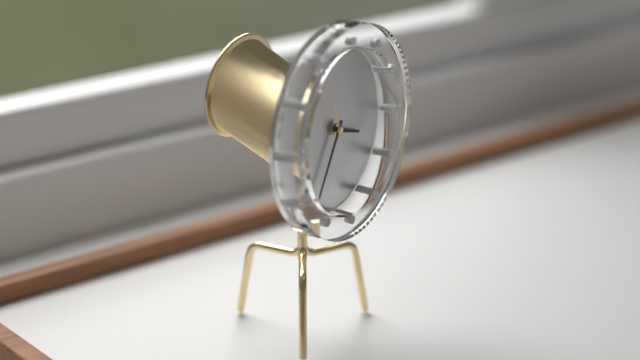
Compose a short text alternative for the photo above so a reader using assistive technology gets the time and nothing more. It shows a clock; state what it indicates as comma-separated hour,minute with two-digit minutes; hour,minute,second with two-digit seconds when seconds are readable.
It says 3,35,56
